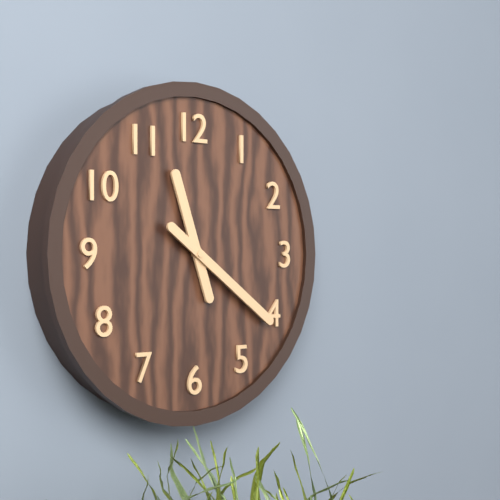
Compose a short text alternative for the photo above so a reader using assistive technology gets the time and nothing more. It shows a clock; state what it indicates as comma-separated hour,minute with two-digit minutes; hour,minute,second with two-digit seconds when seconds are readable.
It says 11,21
